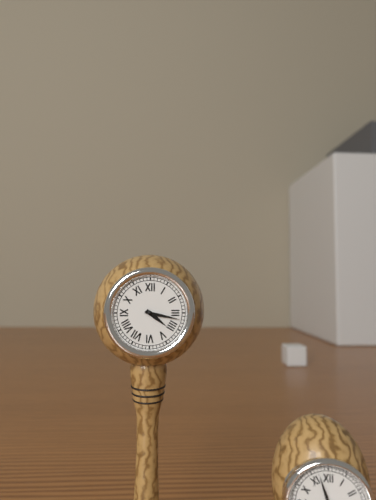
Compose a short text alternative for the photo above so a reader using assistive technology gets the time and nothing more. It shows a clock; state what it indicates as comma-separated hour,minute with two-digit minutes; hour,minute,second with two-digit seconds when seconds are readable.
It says 4,17
